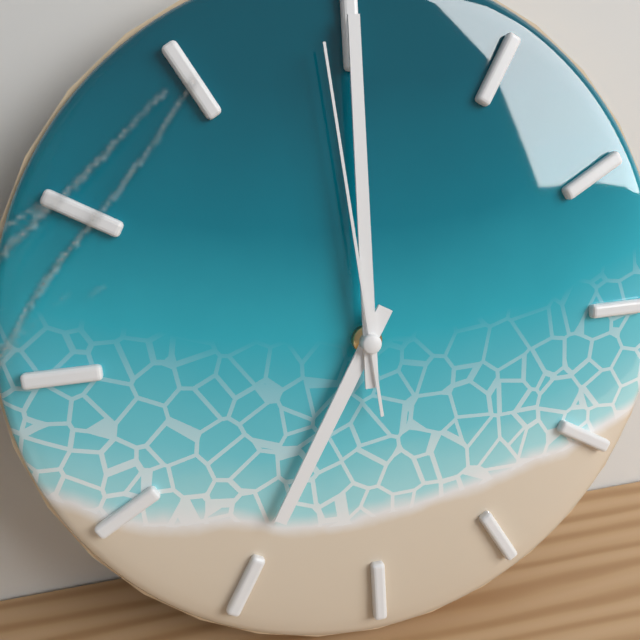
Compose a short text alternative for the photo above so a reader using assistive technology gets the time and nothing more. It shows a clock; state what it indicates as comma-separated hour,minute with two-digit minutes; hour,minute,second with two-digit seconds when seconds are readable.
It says 7,00,59
